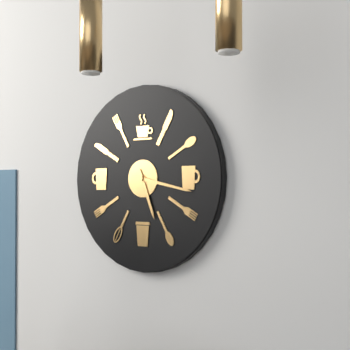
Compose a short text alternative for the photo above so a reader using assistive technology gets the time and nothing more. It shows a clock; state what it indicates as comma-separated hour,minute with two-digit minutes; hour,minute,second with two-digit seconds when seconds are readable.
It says 5,17
